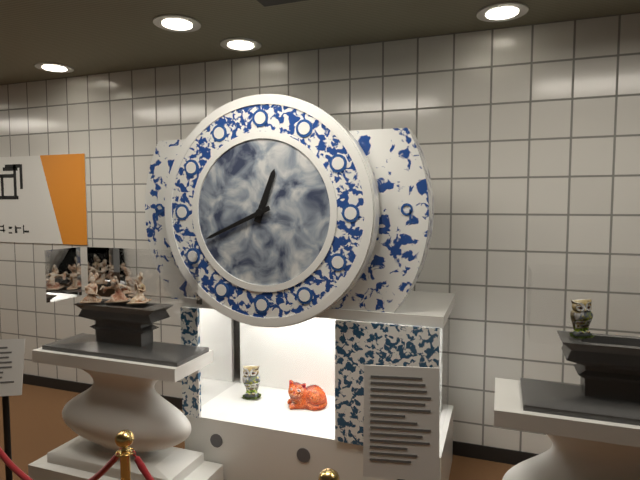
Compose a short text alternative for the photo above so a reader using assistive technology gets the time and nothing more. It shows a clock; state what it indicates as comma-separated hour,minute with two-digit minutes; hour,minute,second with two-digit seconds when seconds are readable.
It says 12,41
